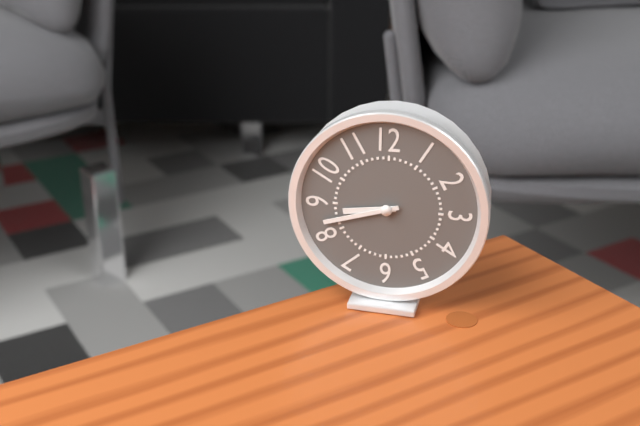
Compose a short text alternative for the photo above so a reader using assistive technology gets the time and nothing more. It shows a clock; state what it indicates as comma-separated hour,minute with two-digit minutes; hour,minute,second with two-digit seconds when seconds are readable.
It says 8,42
